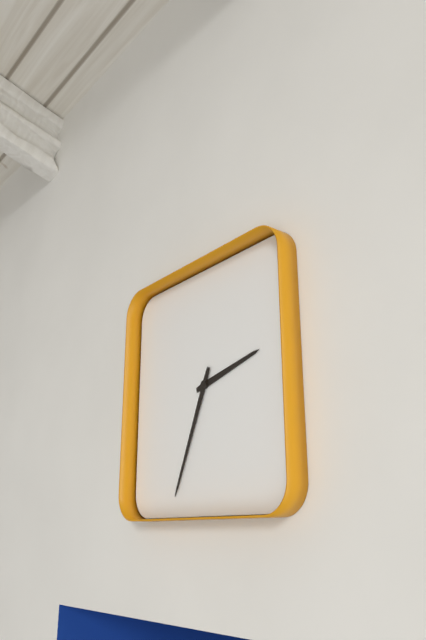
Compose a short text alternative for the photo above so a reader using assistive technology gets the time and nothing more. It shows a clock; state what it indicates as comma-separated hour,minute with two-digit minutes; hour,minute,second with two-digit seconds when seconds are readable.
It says 2,34
